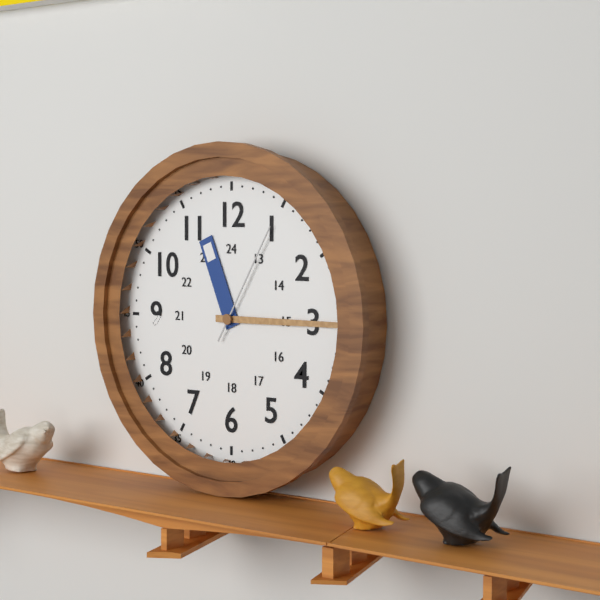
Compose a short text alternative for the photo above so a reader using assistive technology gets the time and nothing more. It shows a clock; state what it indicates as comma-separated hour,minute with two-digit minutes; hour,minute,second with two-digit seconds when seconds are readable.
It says 11,15,05
